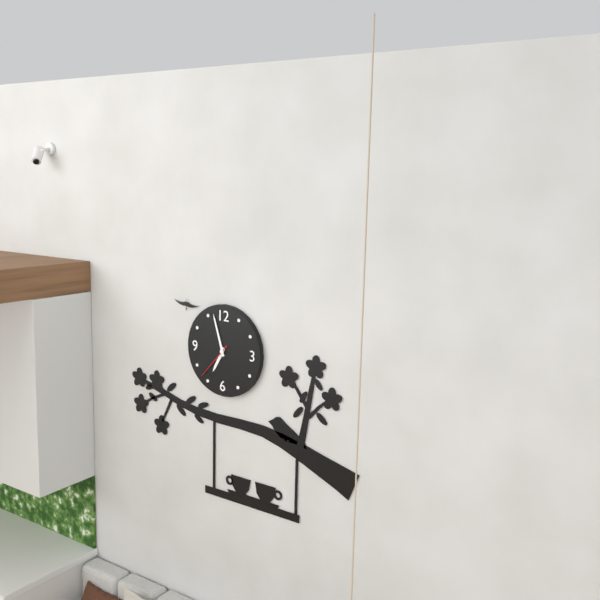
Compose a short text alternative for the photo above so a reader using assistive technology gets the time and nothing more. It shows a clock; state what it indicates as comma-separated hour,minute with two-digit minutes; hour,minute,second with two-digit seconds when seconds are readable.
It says 6,57
